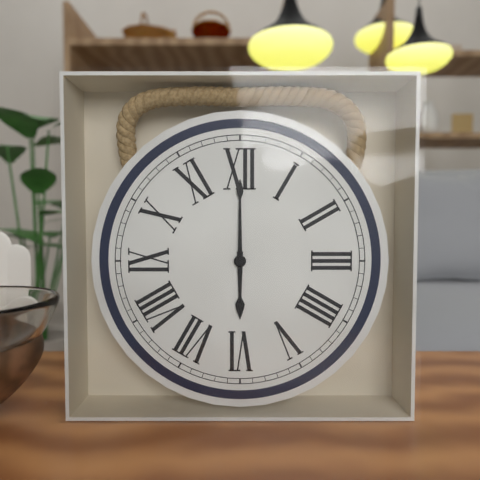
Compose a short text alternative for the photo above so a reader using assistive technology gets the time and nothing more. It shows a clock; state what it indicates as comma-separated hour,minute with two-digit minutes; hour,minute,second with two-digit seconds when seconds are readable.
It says 6,00
